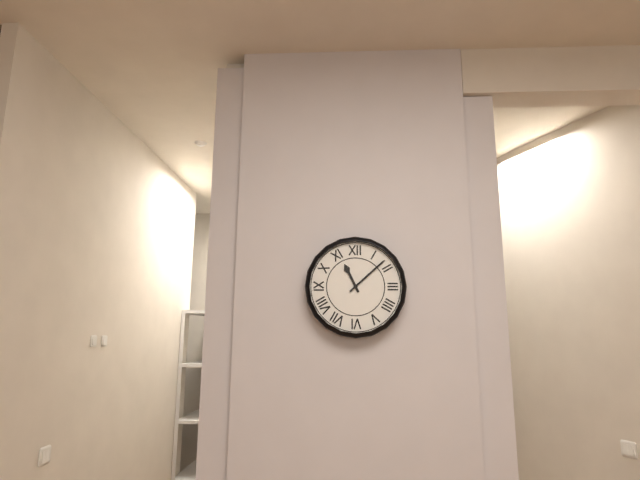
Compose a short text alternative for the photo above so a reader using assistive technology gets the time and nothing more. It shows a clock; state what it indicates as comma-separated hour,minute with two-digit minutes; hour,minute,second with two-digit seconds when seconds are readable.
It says 11,08
